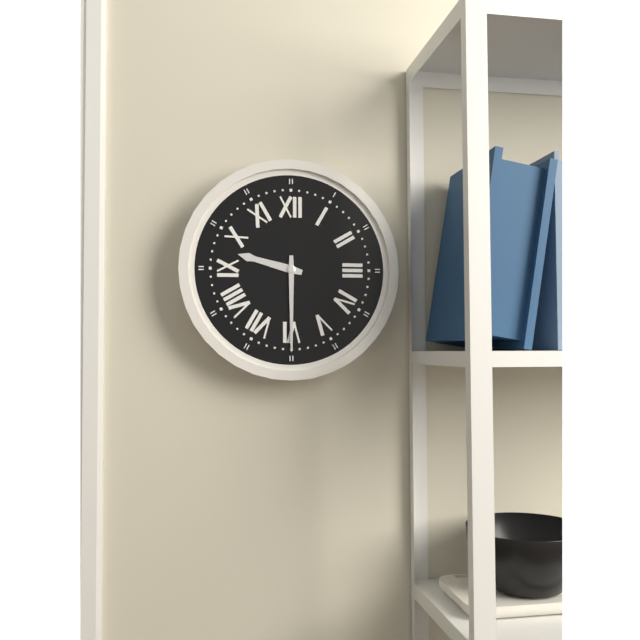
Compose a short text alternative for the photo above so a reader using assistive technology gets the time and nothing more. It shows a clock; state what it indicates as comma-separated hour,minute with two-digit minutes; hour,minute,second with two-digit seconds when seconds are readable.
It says 9,30
